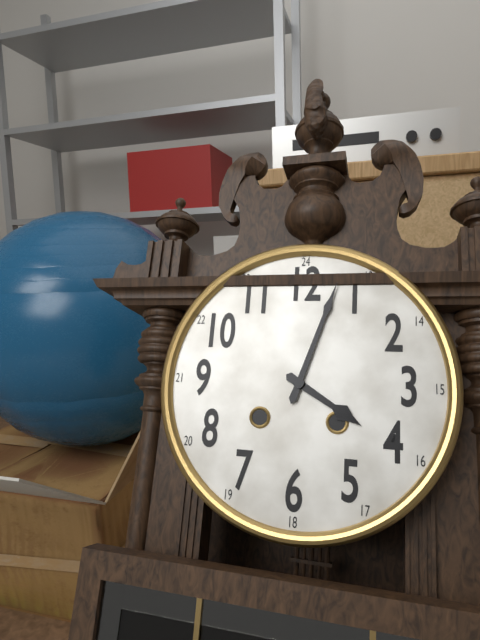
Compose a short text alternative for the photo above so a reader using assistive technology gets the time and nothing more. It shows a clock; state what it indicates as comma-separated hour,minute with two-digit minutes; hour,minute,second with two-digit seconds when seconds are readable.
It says 4,03
